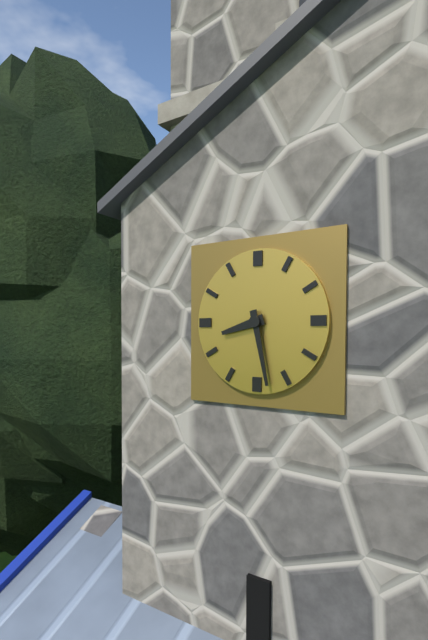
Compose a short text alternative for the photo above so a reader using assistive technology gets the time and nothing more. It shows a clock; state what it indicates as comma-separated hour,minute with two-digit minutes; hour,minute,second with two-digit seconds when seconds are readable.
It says 8,28
